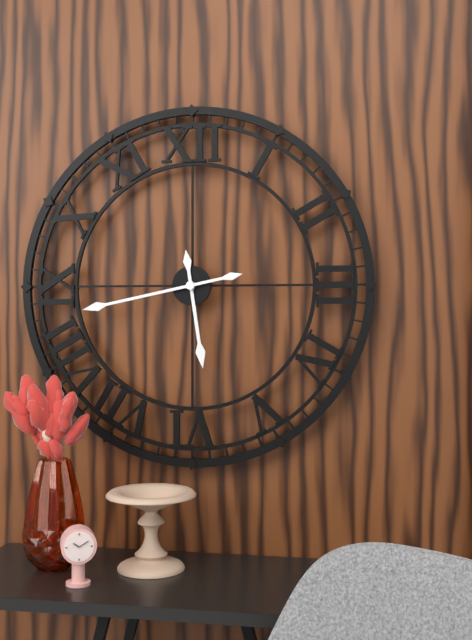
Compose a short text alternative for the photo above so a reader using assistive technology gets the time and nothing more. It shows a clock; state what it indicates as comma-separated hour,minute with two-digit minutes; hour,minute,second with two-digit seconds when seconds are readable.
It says 5,43
